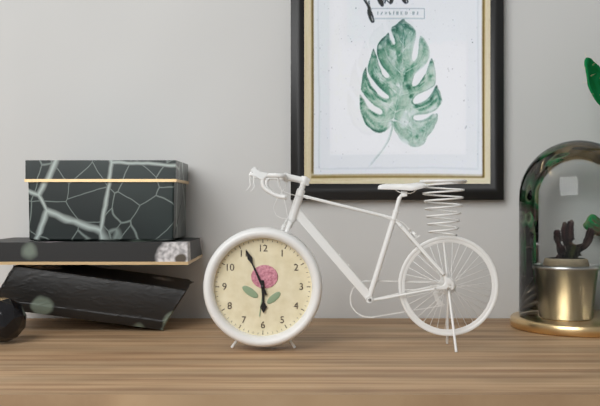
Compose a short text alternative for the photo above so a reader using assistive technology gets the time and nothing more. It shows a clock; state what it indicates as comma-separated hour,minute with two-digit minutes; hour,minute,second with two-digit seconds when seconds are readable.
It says 5,56
